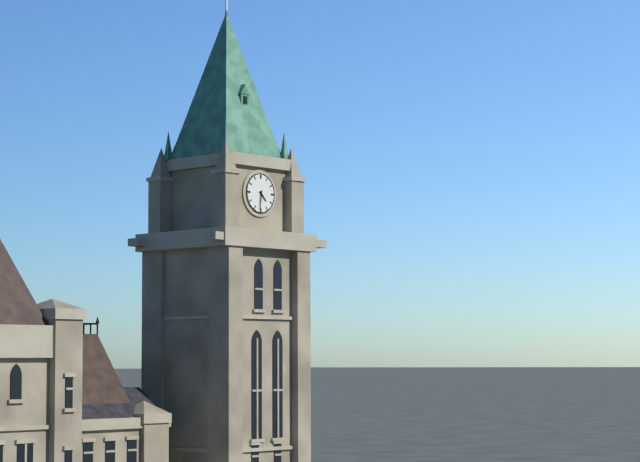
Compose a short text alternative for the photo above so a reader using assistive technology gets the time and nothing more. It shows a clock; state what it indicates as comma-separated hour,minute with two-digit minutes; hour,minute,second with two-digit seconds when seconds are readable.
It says 4,31
